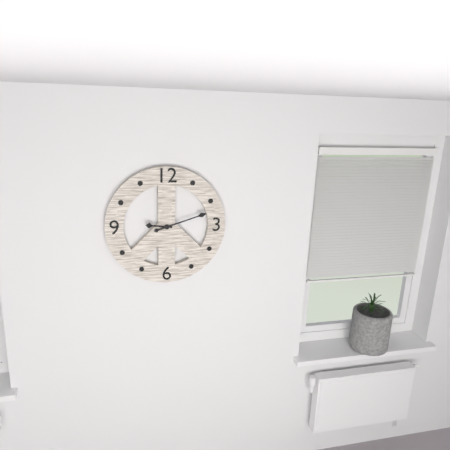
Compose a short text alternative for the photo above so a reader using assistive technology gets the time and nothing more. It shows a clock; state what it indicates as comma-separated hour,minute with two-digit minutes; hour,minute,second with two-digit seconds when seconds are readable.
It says 9,12
